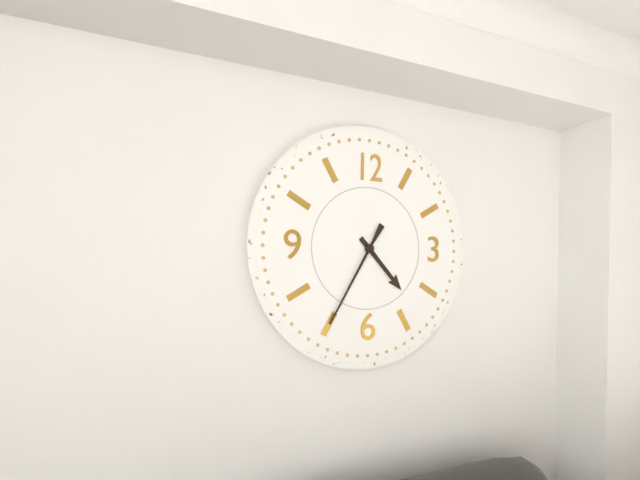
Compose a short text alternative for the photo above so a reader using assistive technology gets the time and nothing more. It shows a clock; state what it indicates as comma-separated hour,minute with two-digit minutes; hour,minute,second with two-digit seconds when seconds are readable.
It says 4,35
